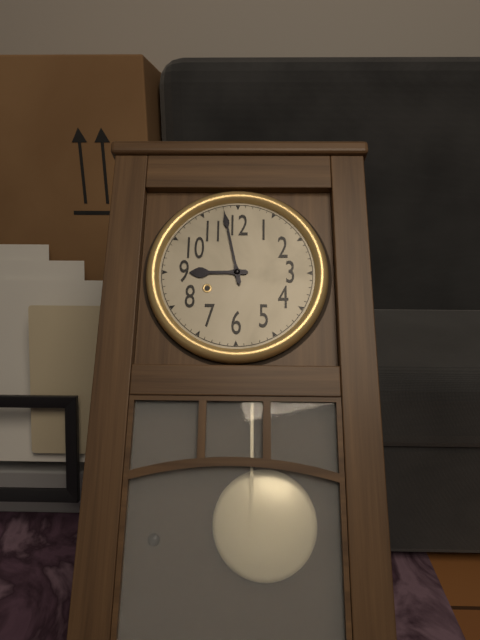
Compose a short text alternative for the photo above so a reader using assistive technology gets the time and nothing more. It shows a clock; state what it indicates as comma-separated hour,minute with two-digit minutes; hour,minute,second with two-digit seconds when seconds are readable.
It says 8,58
